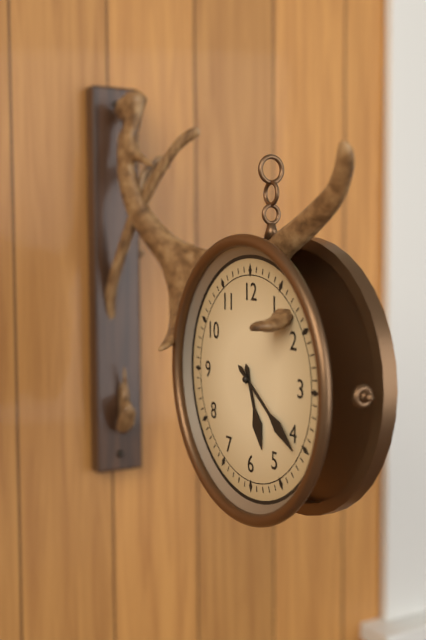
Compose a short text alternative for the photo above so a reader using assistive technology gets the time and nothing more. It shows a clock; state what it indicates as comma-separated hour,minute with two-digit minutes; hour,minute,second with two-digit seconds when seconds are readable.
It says 5,21
